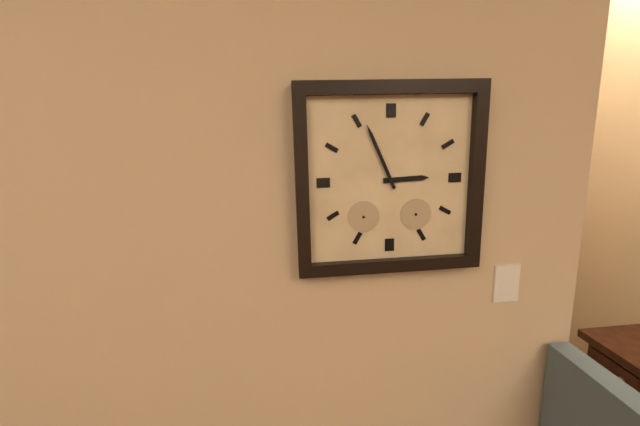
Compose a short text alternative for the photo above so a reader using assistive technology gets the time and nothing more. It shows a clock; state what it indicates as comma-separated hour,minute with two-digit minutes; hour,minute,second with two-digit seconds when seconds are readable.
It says 2,56
